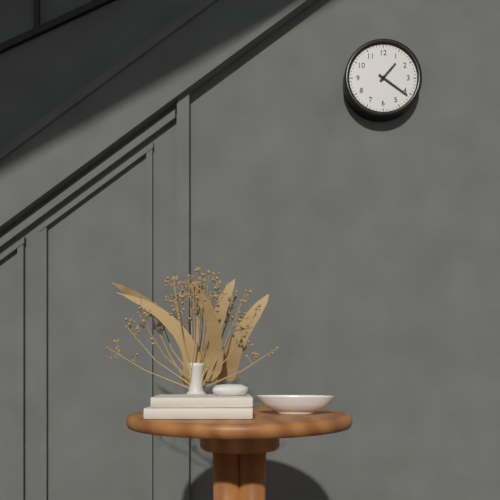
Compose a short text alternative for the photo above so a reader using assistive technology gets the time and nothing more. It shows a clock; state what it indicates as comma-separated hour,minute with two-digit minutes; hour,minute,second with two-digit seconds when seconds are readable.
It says 1,21
